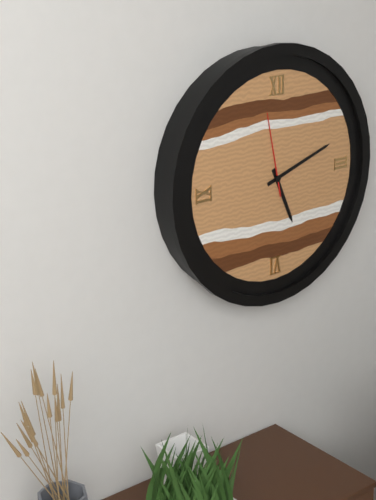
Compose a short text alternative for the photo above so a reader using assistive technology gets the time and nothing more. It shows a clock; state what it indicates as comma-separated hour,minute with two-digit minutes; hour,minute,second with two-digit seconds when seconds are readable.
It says 5,12,58
